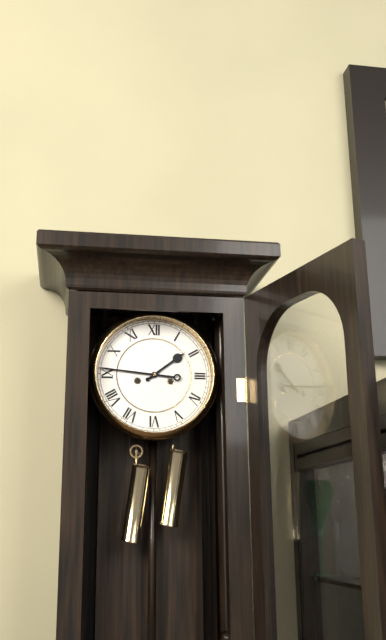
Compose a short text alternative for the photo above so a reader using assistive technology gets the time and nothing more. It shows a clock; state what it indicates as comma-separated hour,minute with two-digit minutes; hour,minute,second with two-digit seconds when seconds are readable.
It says 1,46
